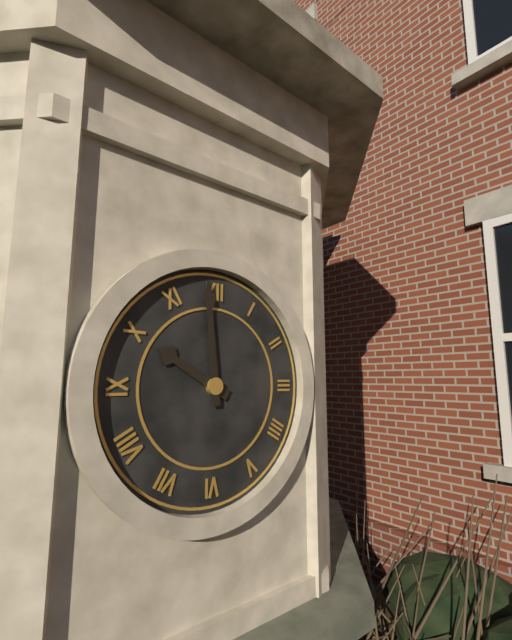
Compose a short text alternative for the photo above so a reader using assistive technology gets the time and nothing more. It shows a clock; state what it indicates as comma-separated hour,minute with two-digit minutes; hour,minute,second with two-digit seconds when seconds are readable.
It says 9,59
